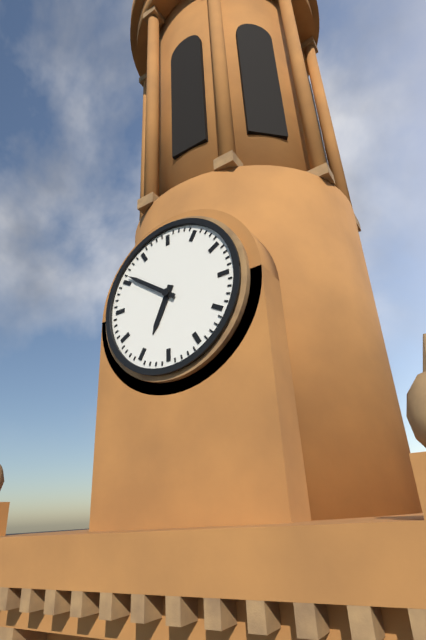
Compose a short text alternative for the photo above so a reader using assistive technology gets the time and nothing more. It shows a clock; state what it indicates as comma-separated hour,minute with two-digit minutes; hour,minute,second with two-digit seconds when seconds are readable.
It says 6,51
